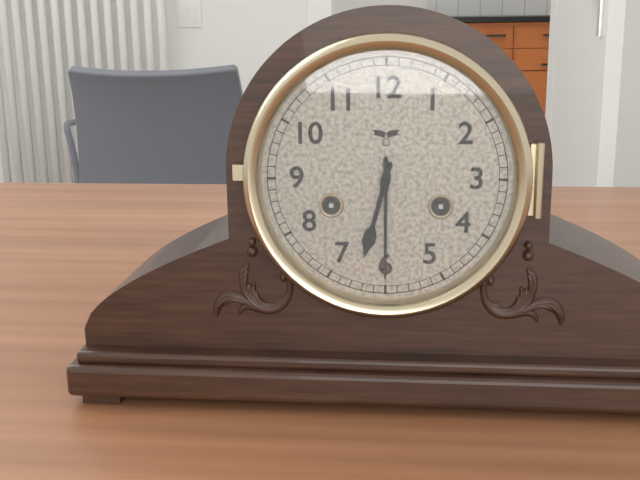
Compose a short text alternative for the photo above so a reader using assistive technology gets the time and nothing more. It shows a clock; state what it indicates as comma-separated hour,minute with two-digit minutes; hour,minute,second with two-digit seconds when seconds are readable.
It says 6,30
